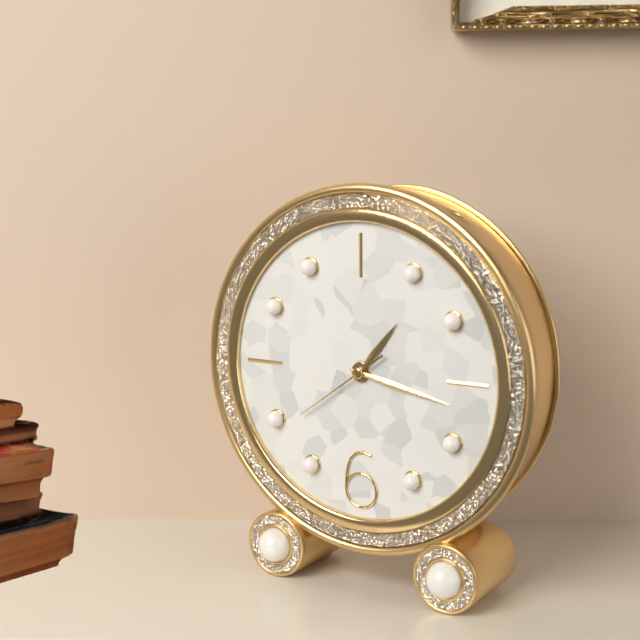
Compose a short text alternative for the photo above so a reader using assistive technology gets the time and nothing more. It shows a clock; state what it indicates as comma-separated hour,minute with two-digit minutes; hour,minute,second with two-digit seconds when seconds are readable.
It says 1,17,39
